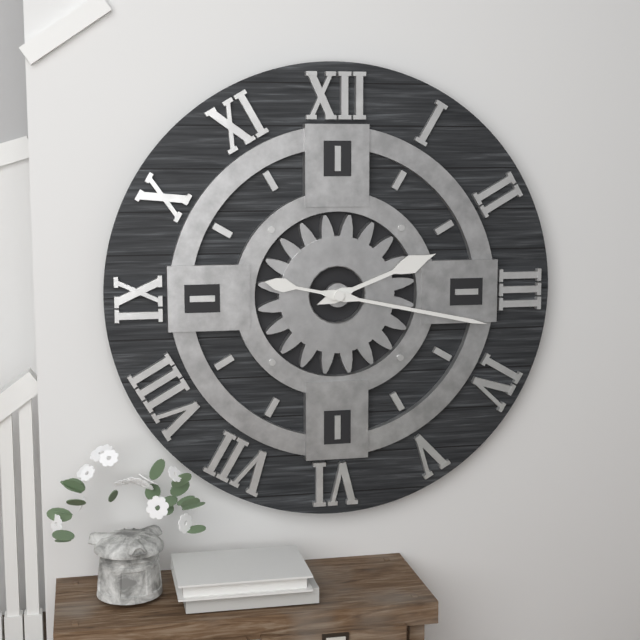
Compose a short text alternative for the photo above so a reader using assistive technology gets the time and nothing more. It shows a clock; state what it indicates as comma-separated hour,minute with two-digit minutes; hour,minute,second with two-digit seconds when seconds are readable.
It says 2,17
